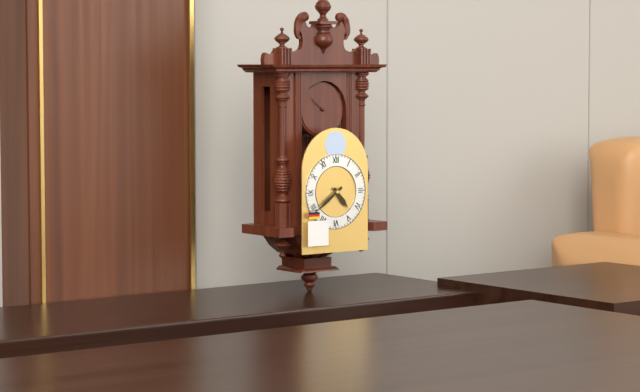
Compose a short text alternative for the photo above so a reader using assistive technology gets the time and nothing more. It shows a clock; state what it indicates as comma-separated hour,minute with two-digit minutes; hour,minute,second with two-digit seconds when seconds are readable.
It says 4,39
